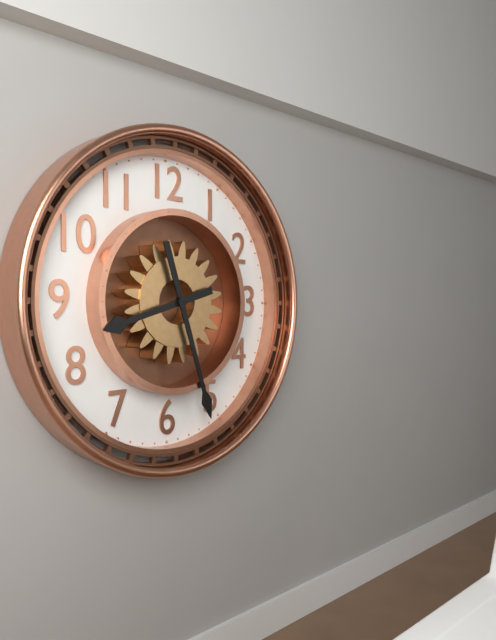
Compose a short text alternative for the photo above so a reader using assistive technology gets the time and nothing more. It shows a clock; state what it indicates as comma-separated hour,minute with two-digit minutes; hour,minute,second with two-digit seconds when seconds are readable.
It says 8,27
